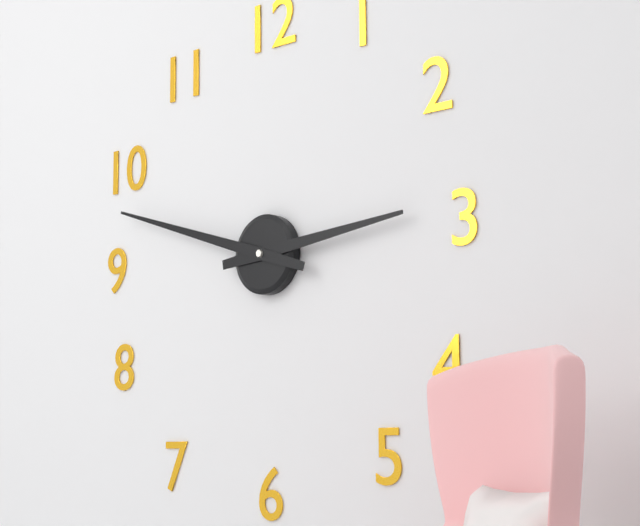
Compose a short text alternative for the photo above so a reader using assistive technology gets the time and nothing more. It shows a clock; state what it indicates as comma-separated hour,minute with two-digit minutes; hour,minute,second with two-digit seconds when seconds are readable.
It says 2,48
